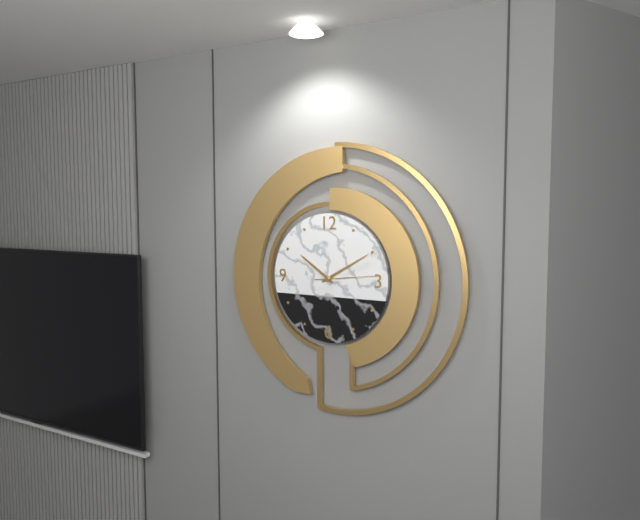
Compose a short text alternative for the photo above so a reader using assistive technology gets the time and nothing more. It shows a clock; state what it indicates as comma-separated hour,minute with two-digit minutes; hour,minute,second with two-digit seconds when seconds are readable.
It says 10,10,14
